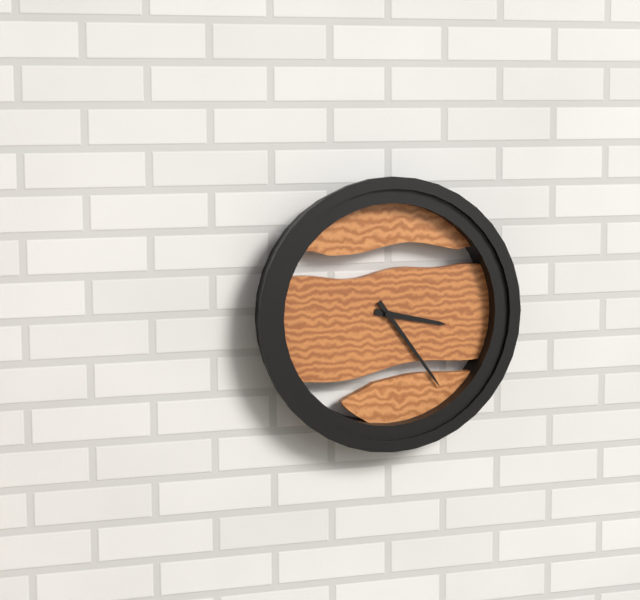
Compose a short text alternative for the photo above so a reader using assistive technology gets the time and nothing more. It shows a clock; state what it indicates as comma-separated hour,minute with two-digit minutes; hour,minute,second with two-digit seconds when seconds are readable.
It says 3,24
